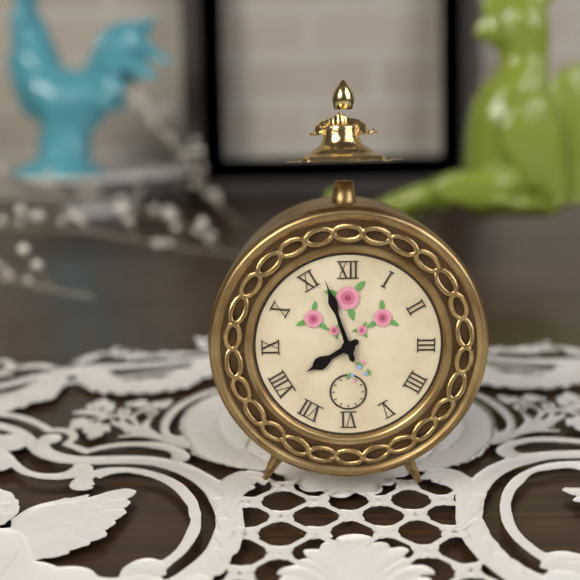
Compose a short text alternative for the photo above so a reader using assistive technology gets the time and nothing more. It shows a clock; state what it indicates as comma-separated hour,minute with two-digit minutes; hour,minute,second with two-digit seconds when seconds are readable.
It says 7,57
